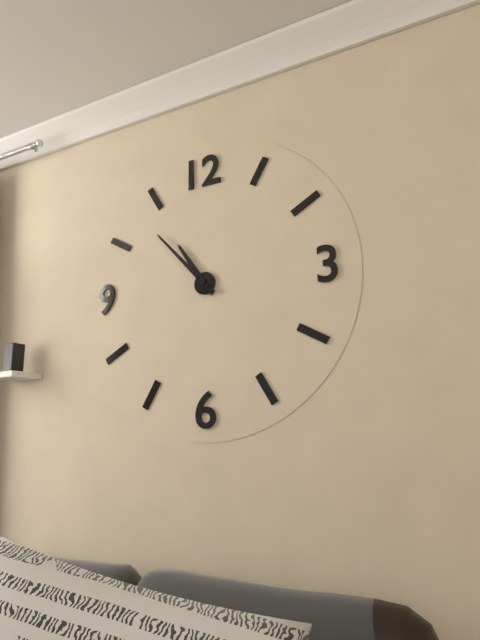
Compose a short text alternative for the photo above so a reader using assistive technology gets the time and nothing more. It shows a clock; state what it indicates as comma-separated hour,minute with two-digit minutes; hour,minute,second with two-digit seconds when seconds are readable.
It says 10,53
